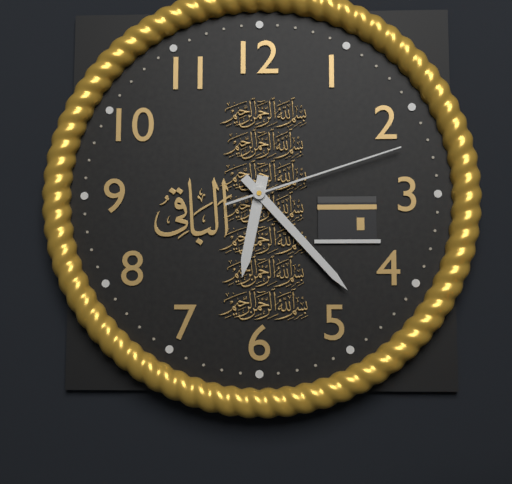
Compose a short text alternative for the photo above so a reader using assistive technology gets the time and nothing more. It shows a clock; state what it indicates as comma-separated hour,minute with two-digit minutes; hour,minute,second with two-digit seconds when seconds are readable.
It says 6,23,12
